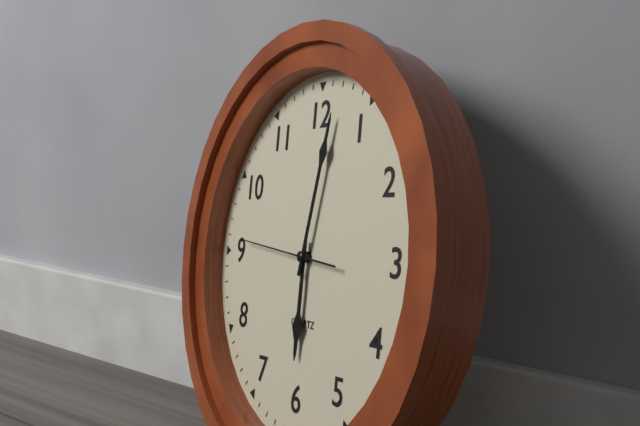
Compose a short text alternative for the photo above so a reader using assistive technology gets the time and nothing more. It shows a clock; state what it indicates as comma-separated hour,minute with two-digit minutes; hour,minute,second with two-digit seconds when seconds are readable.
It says 6,02,46
